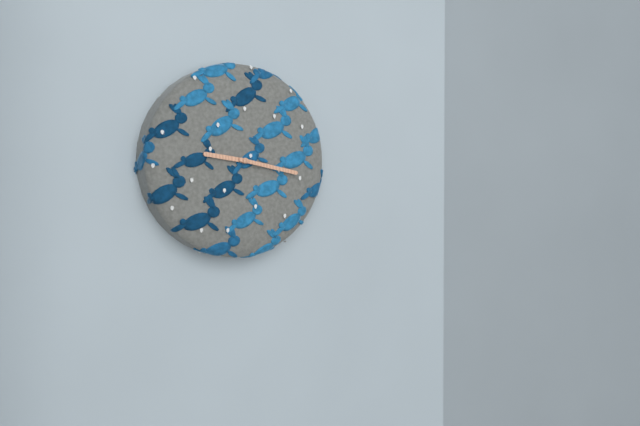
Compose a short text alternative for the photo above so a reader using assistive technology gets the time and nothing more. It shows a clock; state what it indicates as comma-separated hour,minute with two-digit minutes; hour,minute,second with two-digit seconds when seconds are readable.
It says 9,17
